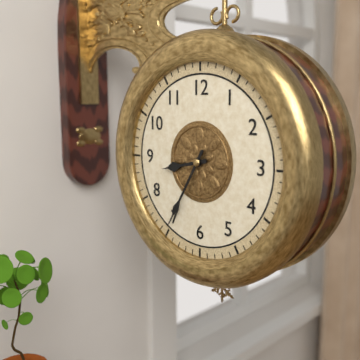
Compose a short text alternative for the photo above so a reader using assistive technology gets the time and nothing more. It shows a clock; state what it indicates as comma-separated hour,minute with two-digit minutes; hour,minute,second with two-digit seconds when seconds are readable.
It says 8,35
